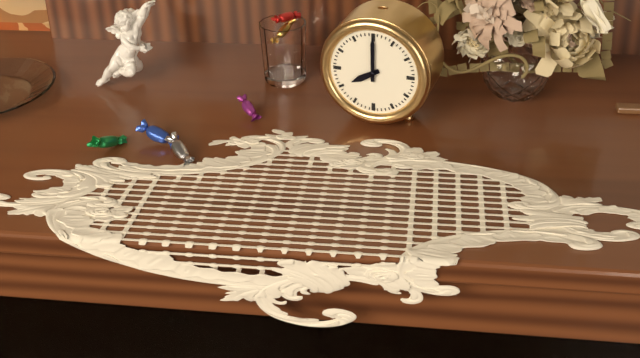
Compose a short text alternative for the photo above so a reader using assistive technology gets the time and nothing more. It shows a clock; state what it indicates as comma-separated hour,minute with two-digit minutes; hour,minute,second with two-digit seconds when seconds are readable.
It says 8,00
